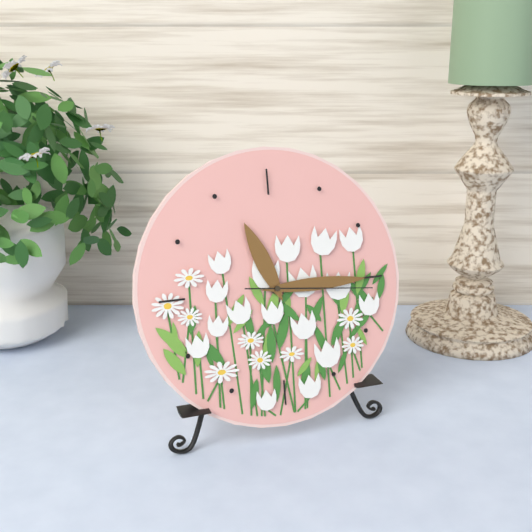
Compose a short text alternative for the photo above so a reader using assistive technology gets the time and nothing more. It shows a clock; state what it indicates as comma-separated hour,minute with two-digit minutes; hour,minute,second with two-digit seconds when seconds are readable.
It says 11,15,16
